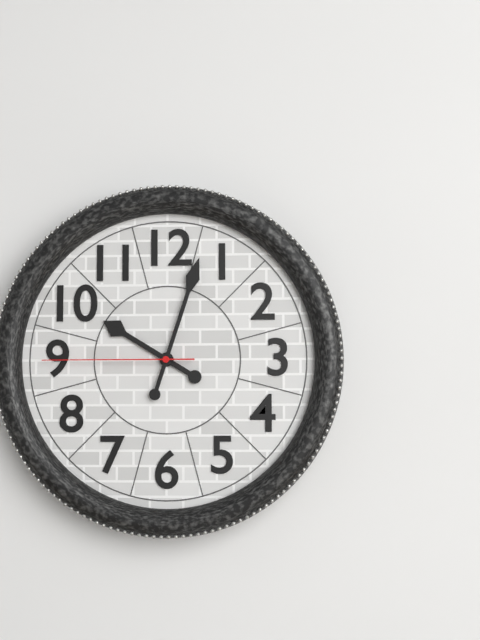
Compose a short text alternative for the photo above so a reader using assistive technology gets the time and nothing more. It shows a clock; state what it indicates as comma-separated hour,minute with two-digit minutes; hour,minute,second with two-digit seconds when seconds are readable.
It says 10,03,45
